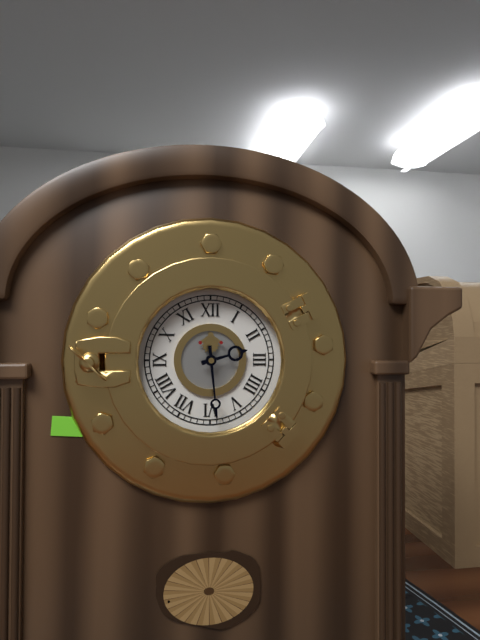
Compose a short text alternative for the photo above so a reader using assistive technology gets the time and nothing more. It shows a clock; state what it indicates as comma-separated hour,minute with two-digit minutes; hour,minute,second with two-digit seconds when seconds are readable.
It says 2,29
